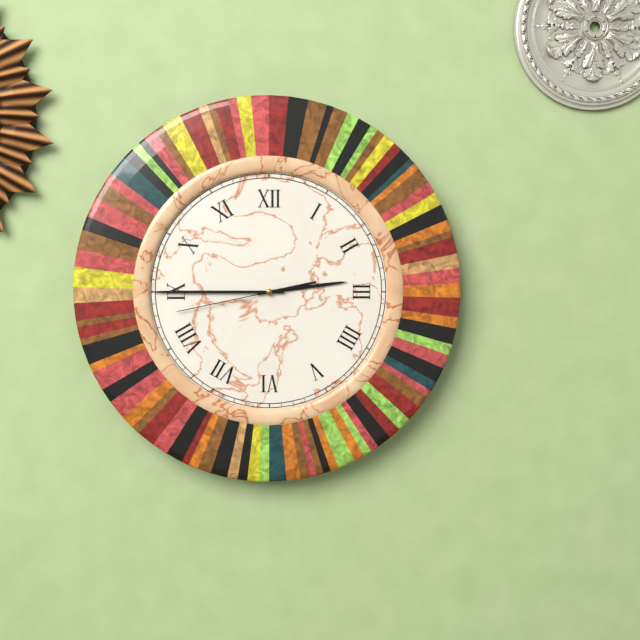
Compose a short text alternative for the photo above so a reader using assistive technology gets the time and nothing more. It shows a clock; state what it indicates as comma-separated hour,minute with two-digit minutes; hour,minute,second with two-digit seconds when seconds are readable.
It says 2,45,43
